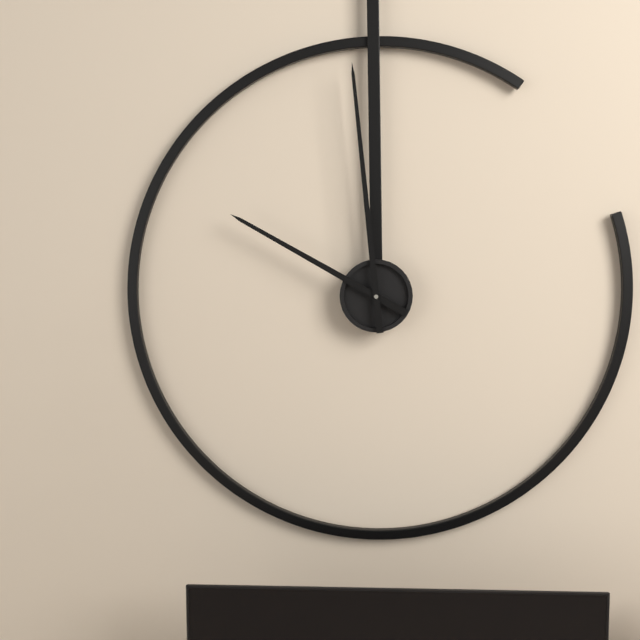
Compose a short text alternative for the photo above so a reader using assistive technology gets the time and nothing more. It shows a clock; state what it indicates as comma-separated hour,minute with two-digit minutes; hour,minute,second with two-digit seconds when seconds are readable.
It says 9,59
